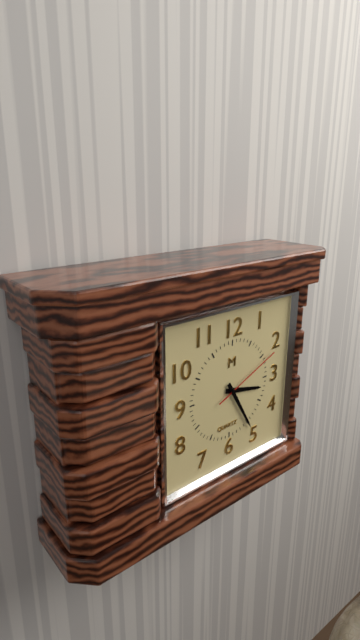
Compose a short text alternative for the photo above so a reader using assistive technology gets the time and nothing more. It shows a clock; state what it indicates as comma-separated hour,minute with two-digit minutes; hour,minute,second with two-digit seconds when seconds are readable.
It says 3,25,11
